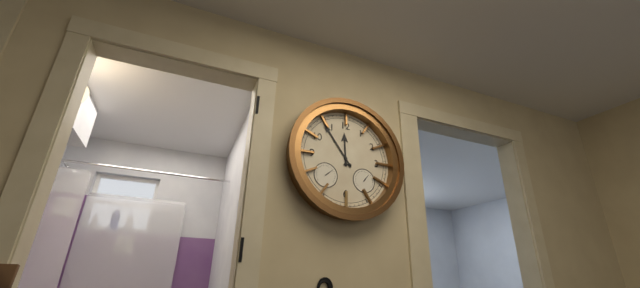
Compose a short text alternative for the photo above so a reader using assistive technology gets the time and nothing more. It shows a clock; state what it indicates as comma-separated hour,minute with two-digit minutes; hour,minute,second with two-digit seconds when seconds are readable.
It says 11,54
